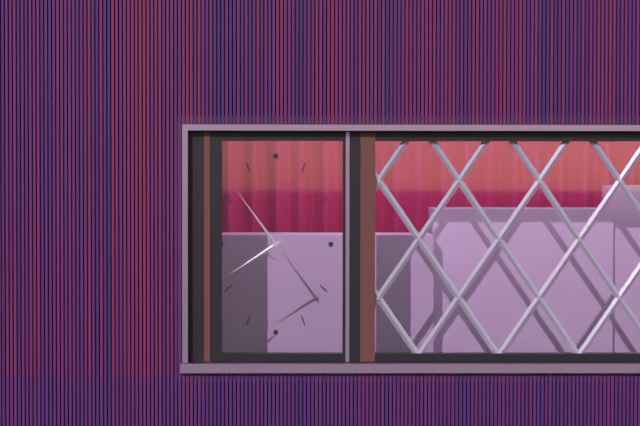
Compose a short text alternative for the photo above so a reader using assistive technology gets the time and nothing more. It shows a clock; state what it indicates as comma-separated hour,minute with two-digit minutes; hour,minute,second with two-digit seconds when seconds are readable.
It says 7,54
